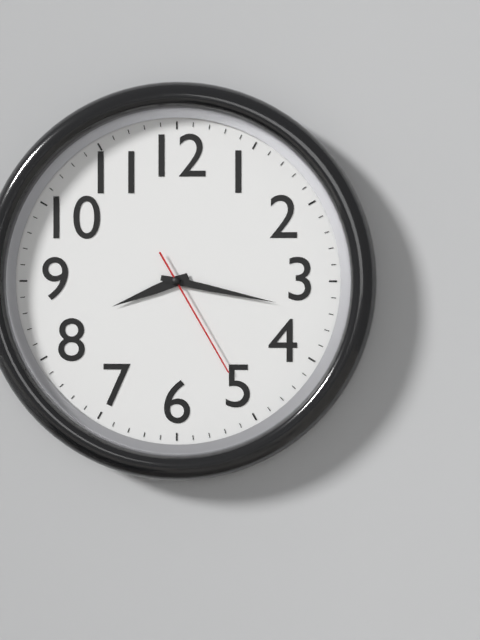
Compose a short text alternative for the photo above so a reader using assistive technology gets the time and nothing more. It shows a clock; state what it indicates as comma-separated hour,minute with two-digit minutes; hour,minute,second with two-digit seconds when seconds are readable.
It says 8,17,25
